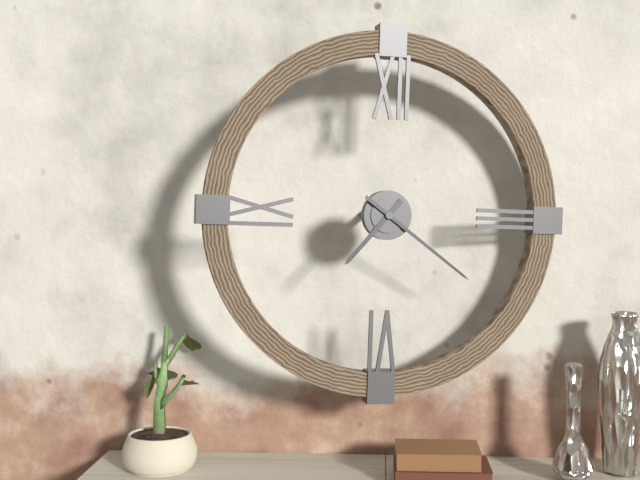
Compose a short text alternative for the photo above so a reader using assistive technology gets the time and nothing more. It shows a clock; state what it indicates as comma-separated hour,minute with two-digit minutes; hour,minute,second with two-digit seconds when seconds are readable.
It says 7,21
